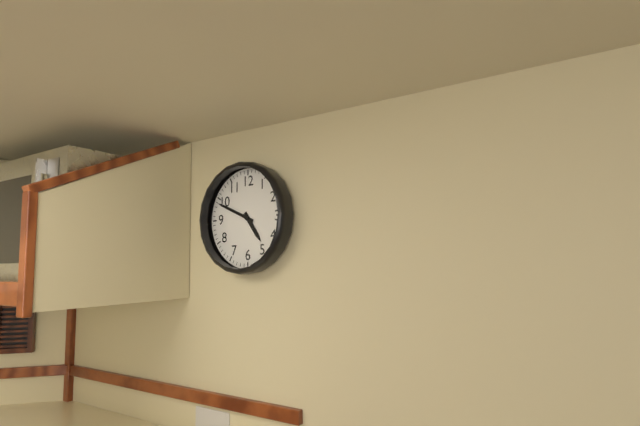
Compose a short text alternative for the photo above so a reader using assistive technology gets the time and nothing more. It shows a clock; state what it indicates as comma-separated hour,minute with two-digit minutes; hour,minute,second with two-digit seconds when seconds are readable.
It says 4,49
